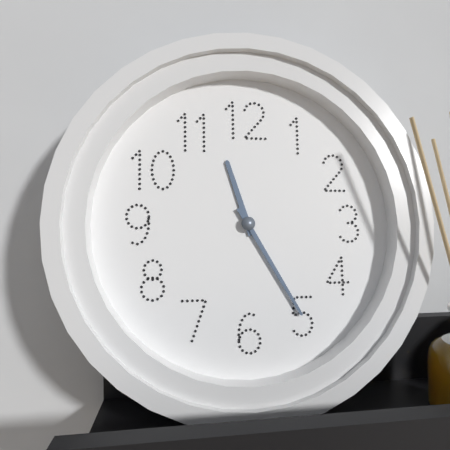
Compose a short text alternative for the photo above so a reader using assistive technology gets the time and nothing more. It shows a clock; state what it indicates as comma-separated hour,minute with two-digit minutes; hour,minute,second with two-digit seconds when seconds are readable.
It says 11,25
